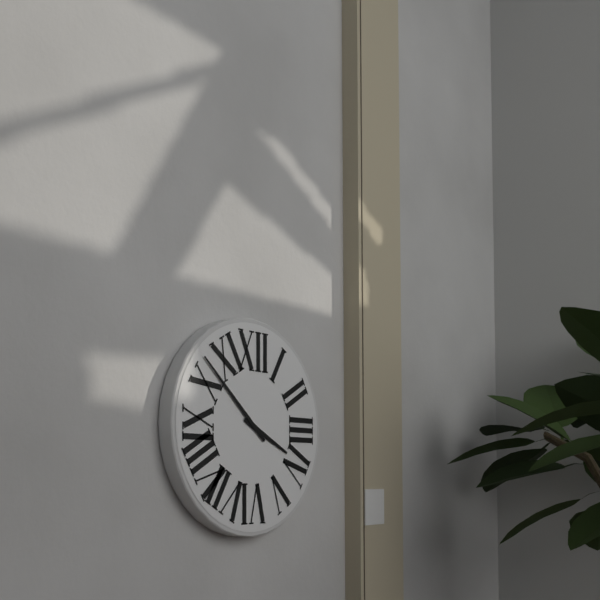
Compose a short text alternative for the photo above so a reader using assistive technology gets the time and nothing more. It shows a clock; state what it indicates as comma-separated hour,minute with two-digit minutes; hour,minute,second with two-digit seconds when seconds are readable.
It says 3,52
